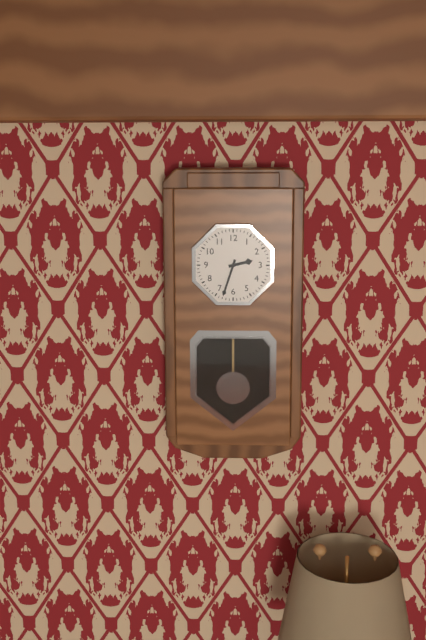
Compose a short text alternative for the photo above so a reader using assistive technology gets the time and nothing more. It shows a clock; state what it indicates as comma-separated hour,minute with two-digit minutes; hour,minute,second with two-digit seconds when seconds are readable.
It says 2,33
